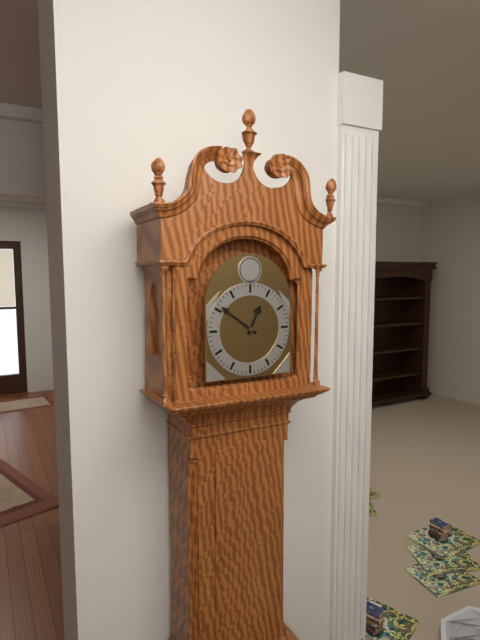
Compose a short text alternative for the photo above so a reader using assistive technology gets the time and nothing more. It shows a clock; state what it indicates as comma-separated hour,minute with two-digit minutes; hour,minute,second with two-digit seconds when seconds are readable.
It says 12,51
